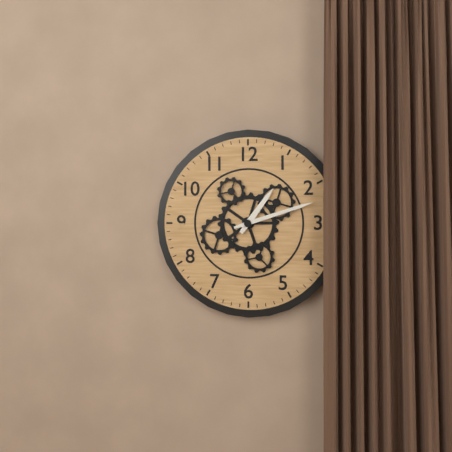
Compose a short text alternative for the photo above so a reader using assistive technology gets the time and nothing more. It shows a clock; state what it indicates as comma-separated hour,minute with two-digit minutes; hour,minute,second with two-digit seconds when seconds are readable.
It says 1,12
